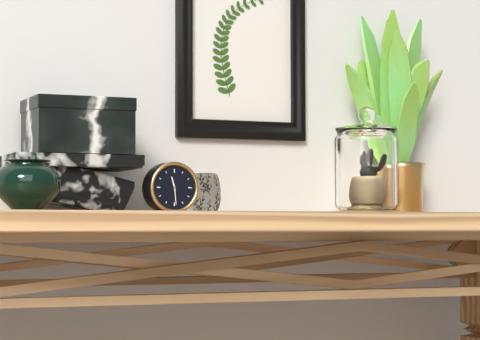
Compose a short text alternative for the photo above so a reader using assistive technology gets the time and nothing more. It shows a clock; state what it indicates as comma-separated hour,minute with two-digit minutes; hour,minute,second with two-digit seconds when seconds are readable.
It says 11,29
